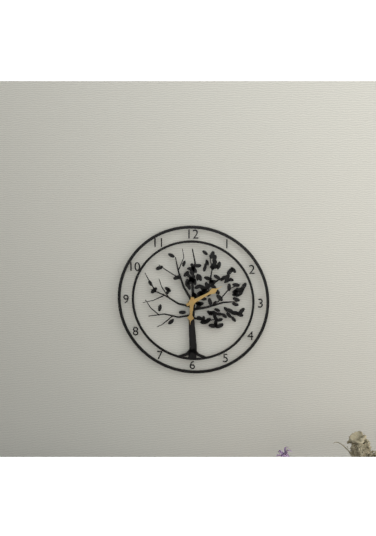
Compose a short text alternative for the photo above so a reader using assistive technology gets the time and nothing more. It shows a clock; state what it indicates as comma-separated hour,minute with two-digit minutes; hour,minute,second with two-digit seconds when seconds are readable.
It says 6,10
